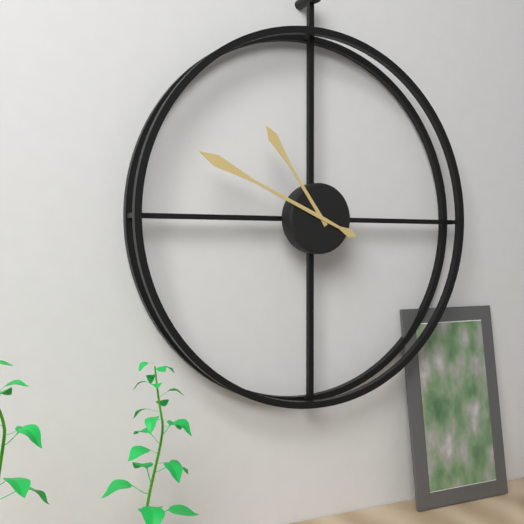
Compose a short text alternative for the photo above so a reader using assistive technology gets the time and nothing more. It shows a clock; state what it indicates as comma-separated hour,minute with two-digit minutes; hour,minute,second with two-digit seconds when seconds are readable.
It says 10,49
